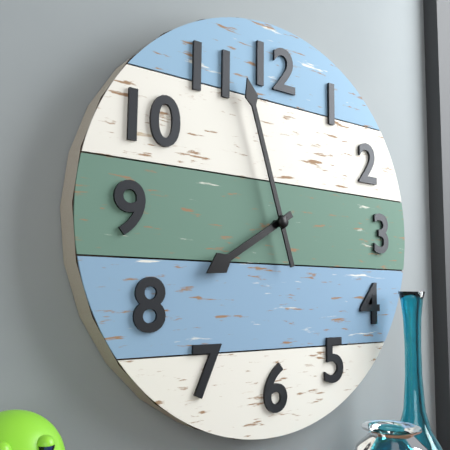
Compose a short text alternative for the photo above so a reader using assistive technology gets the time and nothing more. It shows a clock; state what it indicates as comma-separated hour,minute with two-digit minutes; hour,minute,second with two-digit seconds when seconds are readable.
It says 7,57
